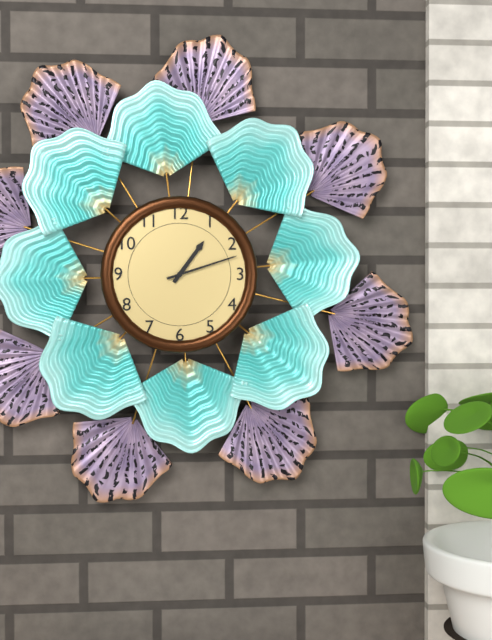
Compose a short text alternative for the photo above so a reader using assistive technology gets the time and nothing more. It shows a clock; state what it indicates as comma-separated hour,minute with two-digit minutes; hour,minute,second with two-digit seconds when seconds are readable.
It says 1,12
